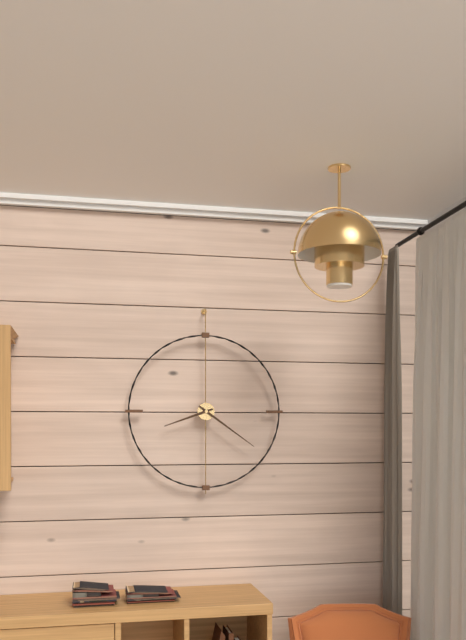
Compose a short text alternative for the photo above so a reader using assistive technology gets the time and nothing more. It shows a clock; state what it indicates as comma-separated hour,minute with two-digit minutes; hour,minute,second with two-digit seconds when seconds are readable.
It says 8,21
